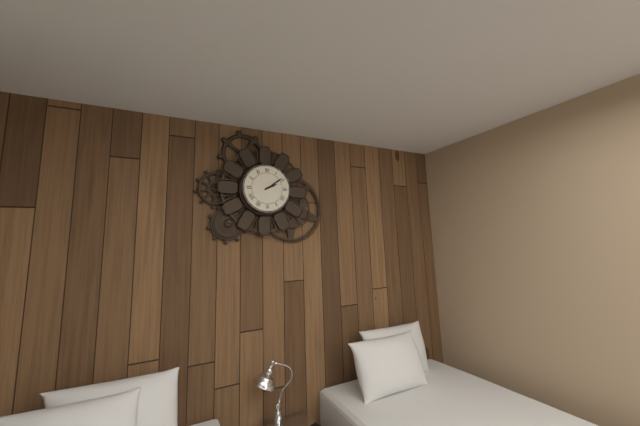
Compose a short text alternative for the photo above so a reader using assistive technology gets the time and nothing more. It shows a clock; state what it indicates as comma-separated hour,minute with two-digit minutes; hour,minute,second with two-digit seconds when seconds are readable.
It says 2,09
